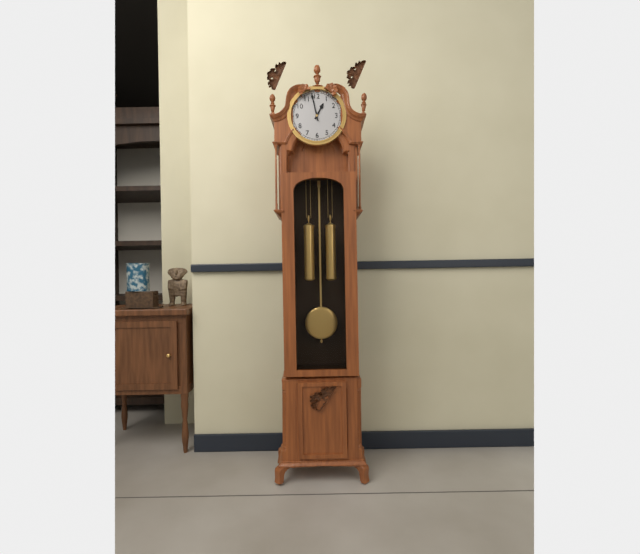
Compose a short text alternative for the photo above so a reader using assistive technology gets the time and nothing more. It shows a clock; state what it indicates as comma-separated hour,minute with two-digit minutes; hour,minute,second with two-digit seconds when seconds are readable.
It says 12,58
